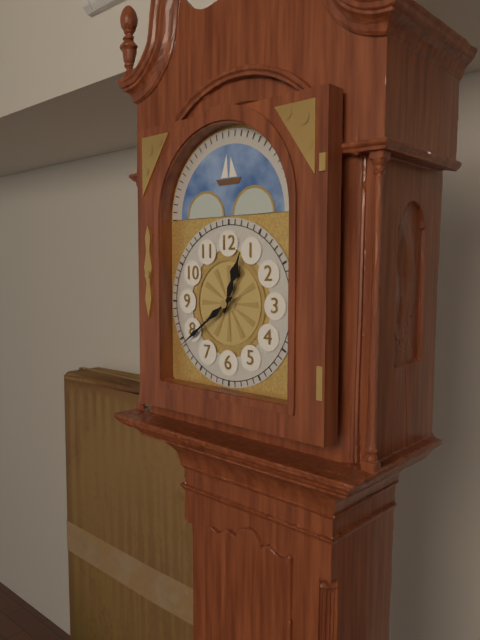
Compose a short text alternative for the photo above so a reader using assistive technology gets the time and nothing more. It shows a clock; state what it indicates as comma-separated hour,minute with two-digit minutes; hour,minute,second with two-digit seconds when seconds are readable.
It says 12,39
